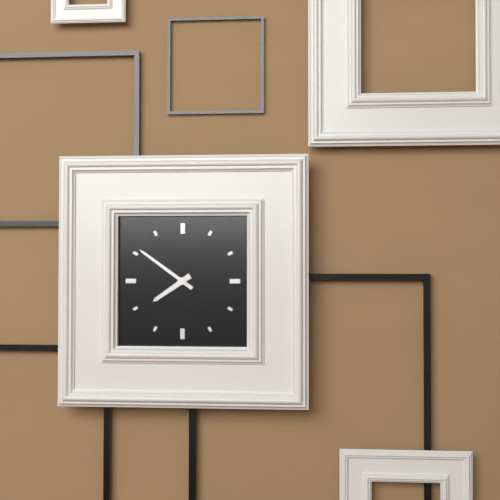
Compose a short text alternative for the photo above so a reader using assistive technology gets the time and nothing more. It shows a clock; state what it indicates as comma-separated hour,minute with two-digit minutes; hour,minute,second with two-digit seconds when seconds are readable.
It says 7,51
